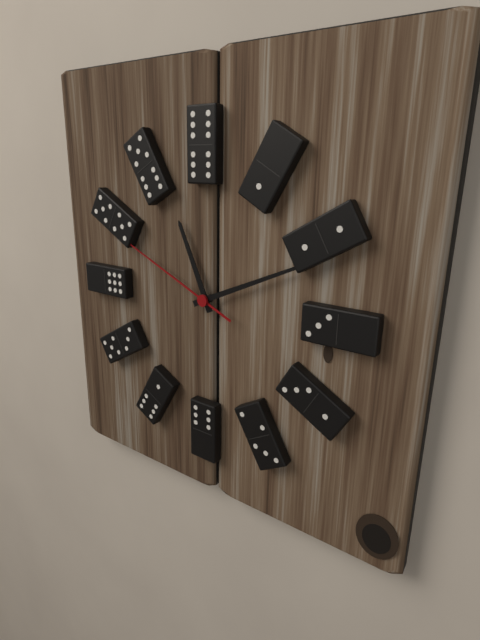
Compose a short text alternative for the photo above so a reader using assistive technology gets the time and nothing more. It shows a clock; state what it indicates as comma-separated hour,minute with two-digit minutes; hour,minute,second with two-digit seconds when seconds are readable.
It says 11,11,49
